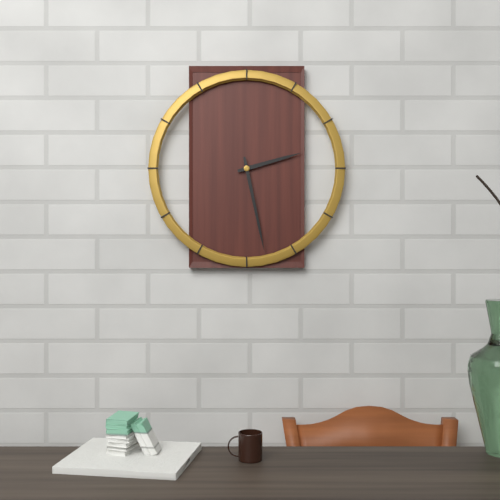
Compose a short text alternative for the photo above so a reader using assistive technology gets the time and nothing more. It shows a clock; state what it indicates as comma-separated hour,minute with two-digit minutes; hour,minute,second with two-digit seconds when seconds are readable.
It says 2,28
